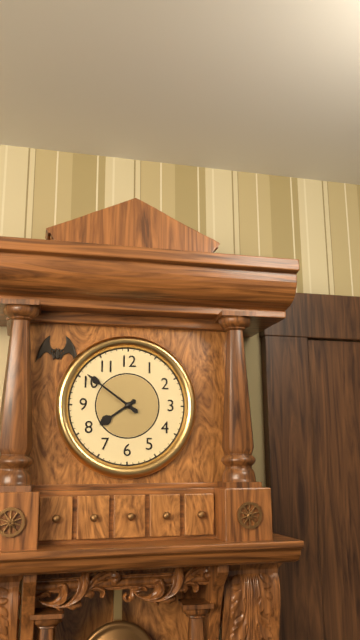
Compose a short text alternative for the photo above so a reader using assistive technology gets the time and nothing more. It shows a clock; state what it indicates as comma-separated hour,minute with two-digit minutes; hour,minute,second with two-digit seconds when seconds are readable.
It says 7,51
